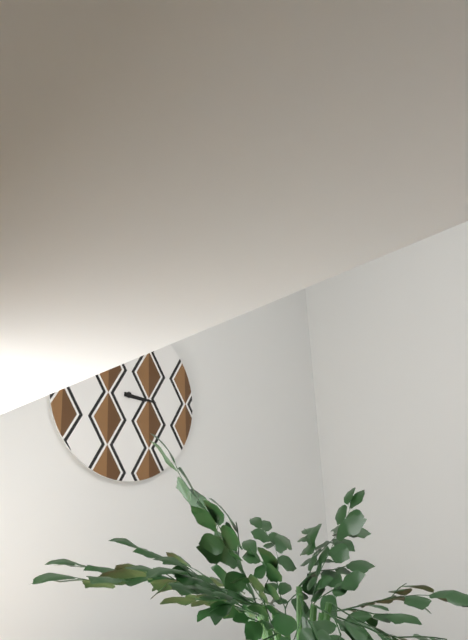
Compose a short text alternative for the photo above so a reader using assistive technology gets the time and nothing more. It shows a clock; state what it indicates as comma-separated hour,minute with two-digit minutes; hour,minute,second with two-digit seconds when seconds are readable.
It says 3,16
